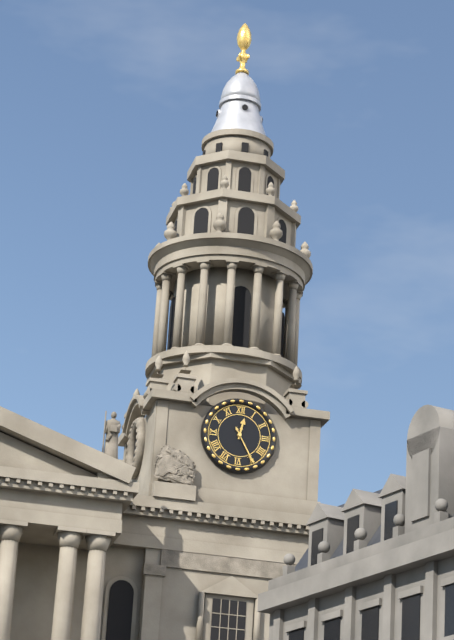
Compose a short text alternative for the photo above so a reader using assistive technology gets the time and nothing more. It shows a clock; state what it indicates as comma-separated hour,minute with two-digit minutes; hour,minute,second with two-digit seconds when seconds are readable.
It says 12,25
